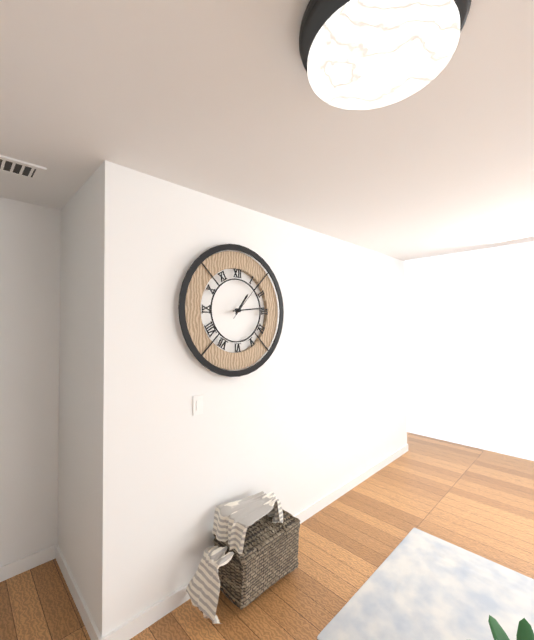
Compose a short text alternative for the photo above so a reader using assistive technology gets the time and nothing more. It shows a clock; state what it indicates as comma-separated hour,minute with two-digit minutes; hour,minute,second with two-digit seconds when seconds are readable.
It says 1,14
